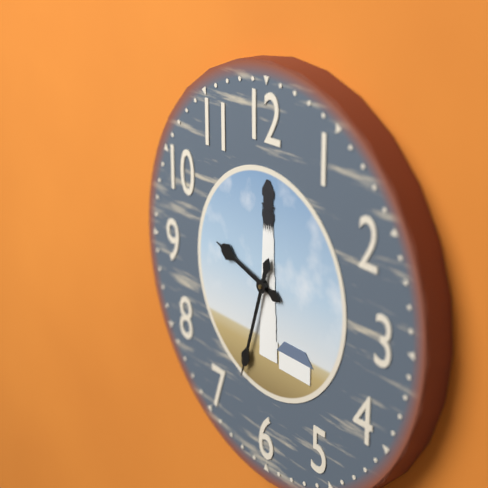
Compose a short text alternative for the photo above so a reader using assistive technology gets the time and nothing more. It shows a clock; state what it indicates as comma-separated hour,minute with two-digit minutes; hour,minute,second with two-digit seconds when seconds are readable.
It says 9,33
